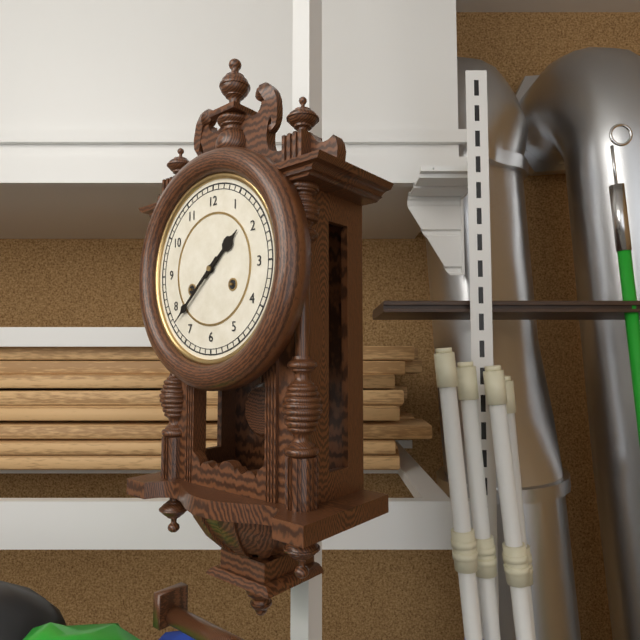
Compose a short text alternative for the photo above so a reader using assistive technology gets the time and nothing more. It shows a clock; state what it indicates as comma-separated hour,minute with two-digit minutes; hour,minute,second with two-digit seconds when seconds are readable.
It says 1,38
